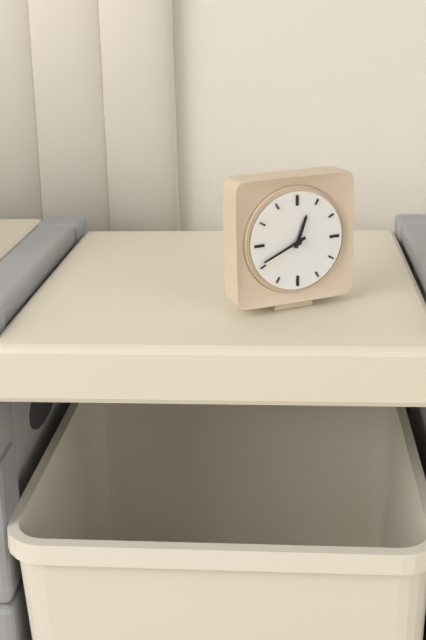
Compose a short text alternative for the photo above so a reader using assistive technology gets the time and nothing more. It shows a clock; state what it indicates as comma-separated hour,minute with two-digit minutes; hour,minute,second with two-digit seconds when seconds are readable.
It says 12,41
